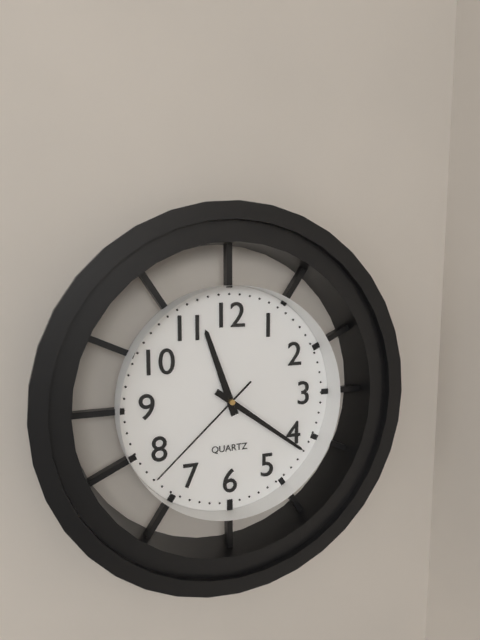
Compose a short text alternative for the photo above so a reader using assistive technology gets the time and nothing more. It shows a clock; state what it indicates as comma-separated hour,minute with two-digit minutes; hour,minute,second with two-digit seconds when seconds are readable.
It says 11,21,38
